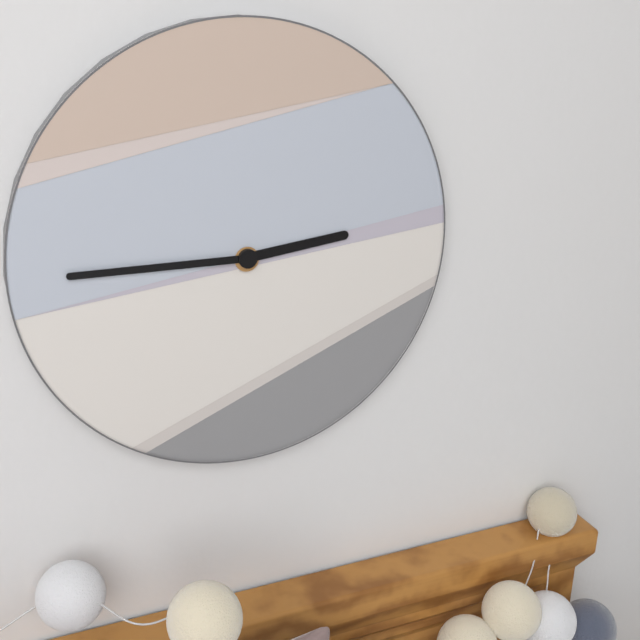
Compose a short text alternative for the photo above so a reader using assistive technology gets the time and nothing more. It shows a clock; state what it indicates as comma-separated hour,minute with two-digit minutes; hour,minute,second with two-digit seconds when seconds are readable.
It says 2,45
